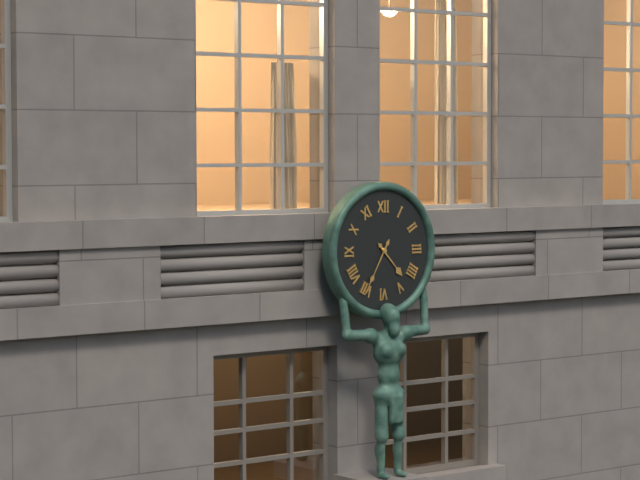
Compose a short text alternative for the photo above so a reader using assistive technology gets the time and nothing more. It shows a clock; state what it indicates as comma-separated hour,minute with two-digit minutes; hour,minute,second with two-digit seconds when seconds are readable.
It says 4,35
